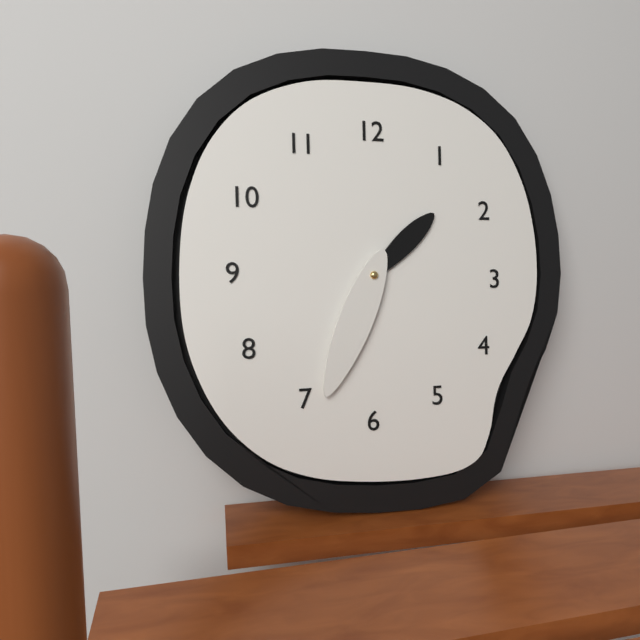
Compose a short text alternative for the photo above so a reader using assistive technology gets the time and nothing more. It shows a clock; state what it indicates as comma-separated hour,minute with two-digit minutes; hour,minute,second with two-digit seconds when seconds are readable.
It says 1,34
